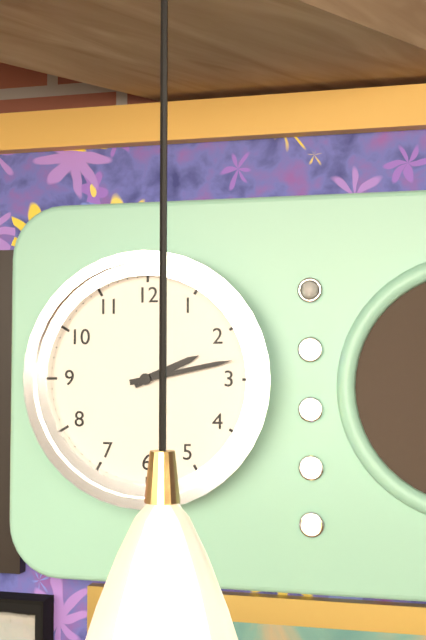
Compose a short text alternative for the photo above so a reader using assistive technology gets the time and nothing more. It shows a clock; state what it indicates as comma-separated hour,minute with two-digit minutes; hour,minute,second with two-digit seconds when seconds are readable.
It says 2,13
